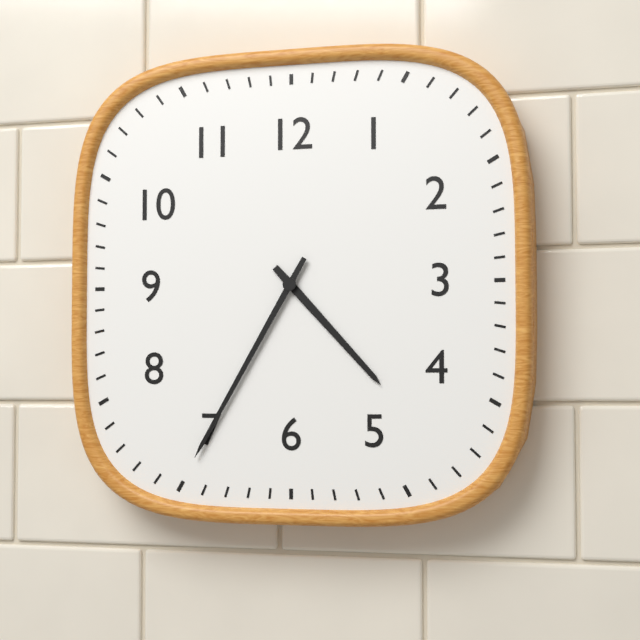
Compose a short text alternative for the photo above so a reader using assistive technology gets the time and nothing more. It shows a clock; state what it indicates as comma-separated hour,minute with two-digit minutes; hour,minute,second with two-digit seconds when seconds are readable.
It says 4,35
